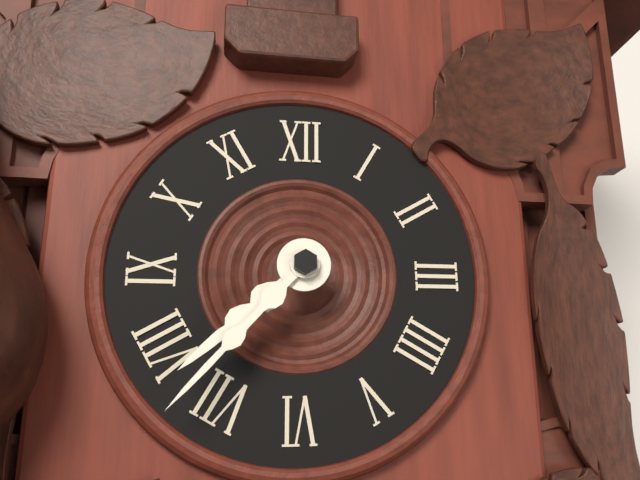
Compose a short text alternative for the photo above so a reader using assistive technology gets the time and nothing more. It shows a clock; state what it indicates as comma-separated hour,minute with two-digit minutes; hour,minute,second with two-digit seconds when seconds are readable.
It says 7,37
